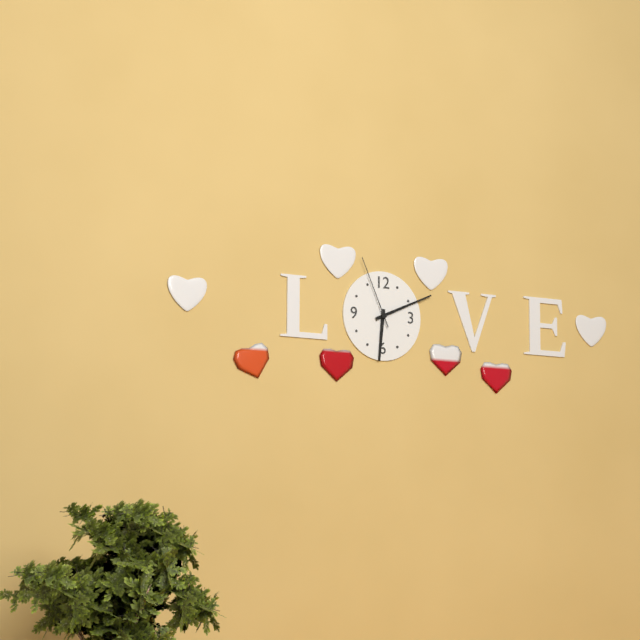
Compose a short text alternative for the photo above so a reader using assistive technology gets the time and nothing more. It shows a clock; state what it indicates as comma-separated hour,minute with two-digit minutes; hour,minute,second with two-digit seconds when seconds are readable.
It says 6,11,56
